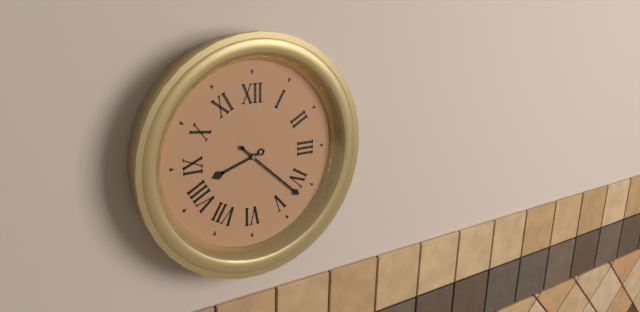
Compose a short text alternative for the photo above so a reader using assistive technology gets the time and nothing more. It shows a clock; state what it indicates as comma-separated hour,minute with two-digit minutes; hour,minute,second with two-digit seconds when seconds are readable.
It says 8,22
